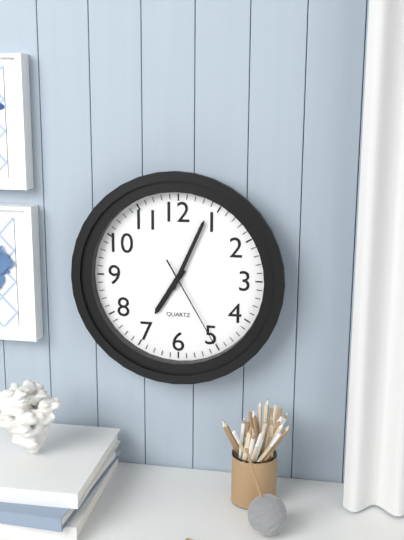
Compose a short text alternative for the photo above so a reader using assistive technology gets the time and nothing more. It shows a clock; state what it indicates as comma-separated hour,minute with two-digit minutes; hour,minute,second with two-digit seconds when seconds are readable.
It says 7,04,25
